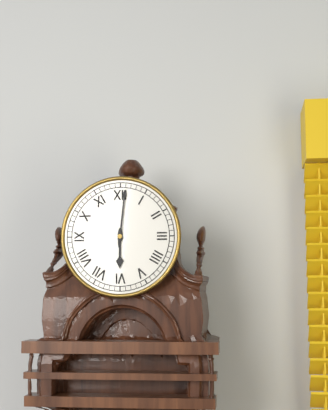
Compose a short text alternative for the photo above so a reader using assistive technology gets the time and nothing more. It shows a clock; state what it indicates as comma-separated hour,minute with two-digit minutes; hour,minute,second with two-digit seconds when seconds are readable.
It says 6,01
